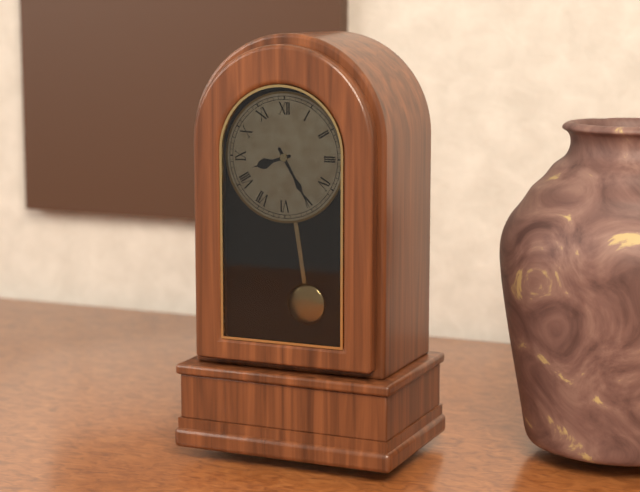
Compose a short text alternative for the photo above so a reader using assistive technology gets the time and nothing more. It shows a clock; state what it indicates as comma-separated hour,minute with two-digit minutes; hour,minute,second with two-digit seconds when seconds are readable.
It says 8,25
